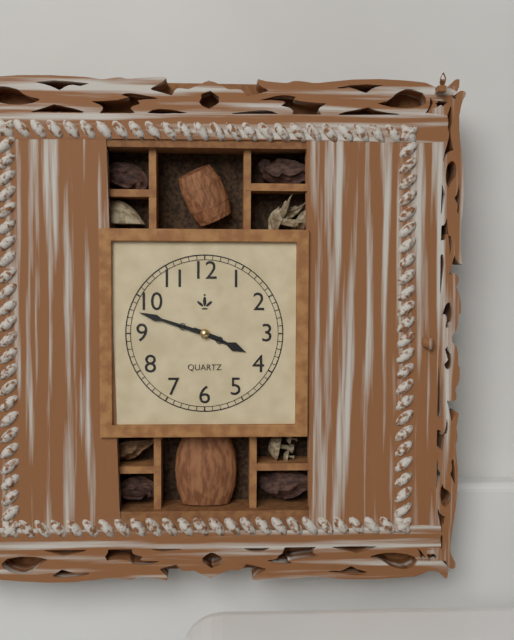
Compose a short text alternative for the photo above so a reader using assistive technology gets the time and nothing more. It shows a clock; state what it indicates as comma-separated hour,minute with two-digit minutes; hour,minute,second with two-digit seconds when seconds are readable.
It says 3,48
